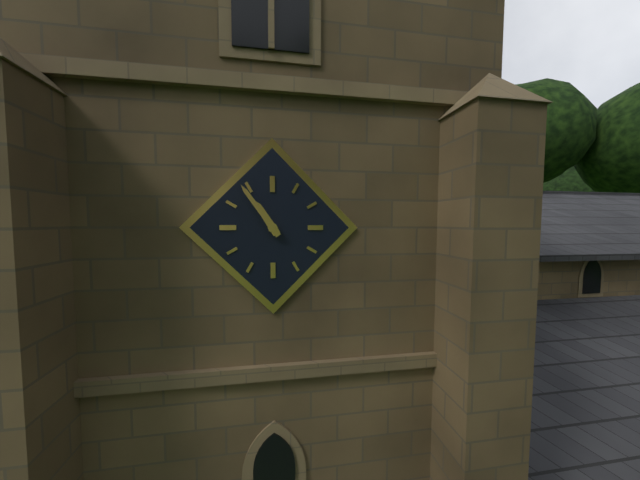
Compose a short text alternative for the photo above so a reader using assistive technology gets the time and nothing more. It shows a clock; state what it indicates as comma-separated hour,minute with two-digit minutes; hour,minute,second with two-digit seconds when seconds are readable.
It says 10,54
